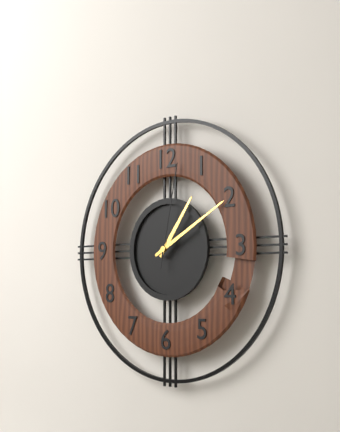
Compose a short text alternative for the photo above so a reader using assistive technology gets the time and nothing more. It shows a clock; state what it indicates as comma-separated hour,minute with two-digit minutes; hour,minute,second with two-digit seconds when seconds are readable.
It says 1,10,02
